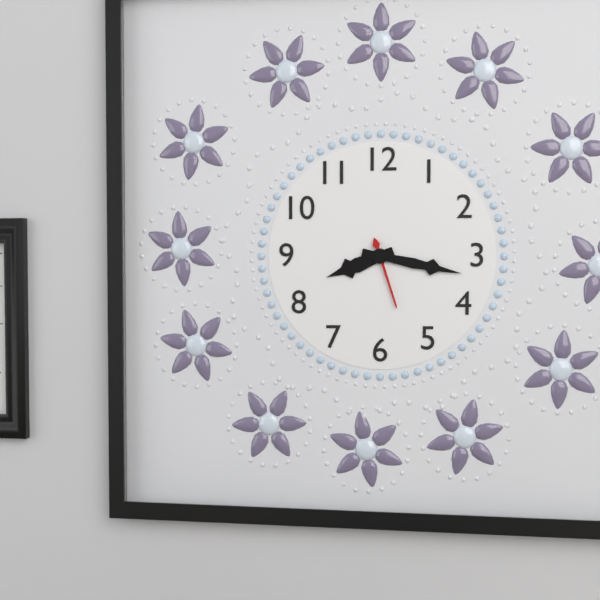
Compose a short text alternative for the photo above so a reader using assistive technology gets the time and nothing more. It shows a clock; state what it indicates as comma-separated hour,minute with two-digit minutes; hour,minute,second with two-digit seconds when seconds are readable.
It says 8,17,27
